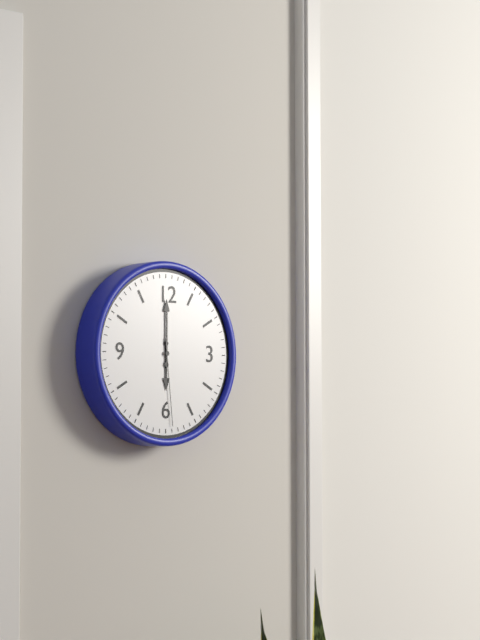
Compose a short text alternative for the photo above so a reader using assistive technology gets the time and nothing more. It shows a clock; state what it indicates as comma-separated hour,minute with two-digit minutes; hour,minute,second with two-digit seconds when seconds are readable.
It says 6,00,29
